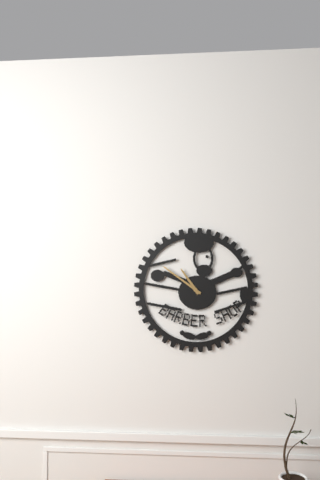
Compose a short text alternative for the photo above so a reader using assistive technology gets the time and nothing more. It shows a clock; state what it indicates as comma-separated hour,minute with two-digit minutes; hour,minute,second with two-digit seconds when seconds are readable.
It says 10,51
